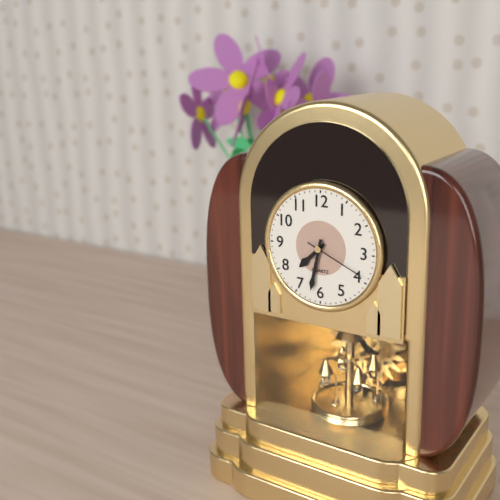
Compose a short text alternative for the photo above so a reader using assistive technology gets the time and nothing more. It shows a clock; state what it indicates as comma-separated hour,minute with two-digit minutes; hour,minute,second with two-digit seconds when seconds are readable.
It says 7,32,19
